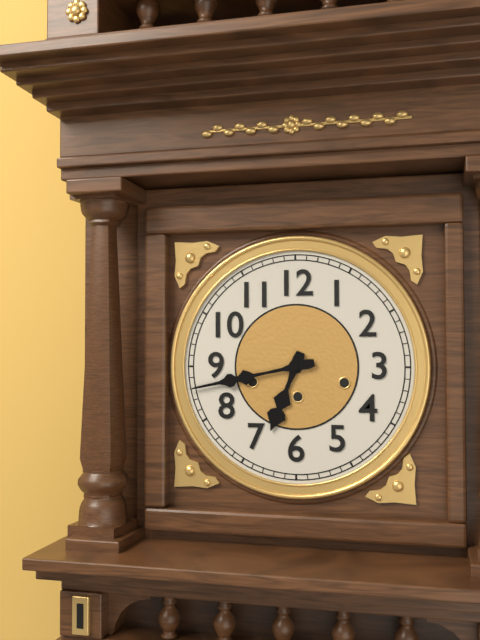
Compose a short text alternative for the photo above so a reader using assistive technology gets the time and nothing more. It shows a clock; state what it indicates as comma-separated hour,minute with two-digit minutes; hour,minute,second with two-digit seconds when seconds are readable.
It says 6,43
